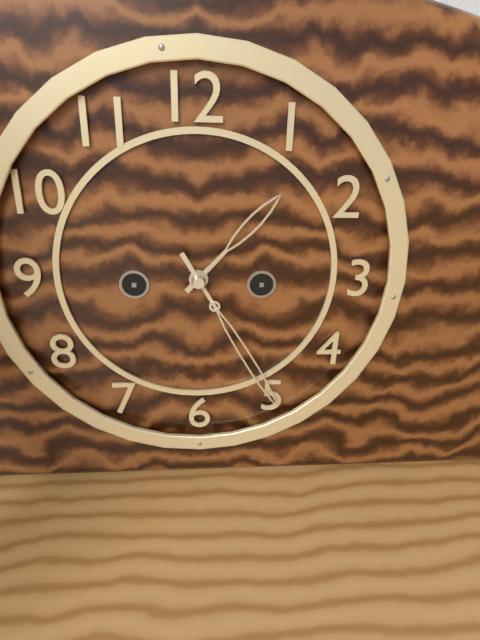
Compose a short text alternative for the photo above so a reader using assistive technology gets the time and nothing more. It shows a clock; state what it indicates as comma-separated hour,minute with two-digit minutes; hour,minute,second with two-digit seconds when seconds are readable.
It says 1,25
